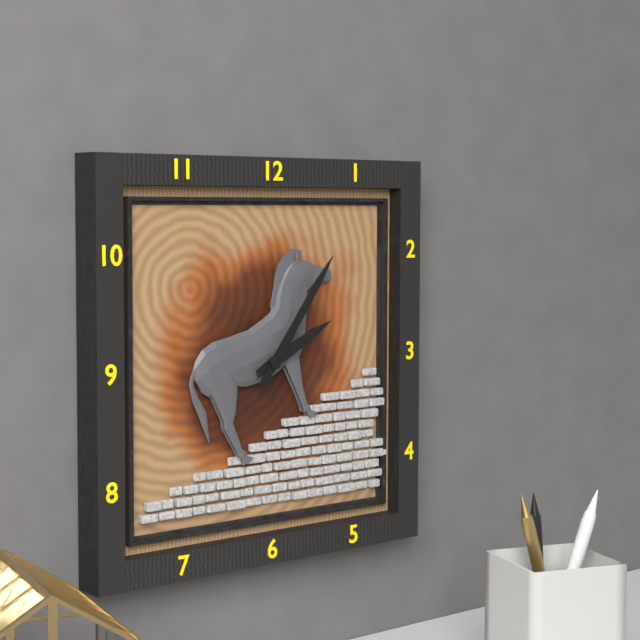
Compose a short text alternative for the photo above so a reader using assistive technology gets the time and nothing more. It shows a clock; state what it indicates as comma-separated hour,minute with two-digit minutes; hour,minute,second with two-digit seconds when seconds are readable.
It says 2,06
